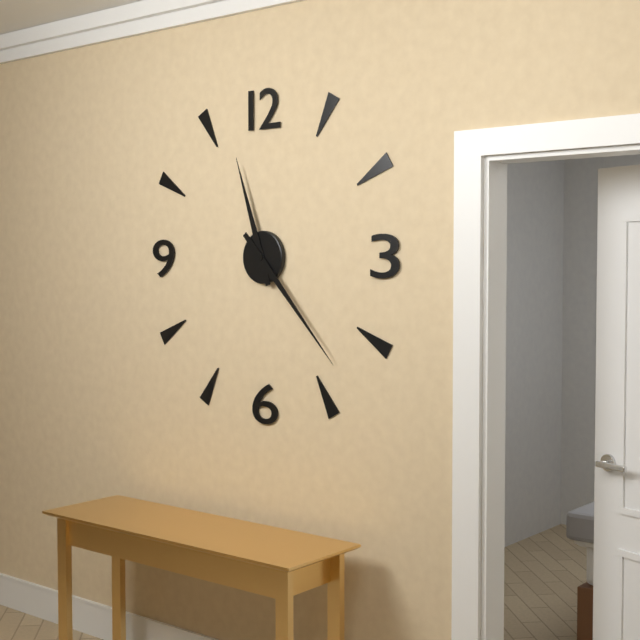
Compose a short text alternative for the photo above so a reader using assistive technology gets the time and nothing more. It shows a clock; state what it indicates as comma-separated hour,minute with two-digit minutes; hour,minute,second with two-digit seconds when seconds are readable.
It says 11,23
